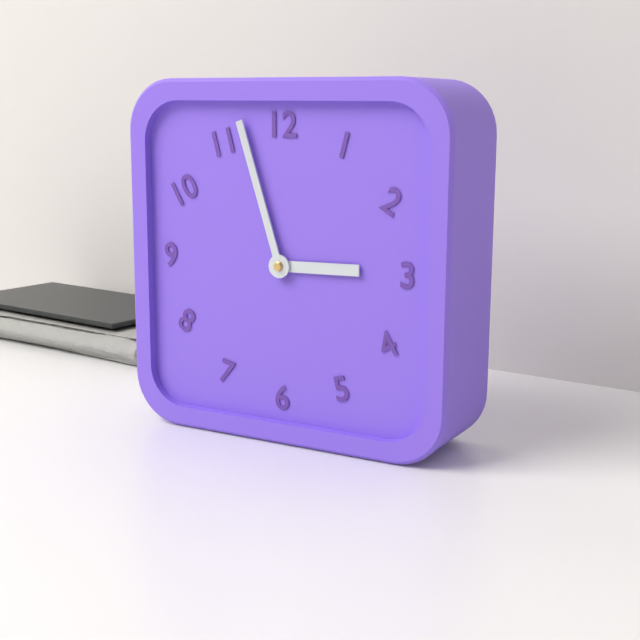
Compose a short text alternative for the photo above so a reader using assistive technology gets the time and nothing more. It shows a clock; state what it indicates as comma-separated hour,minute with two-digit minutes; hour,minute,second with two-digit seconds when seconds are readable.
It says 2,57
